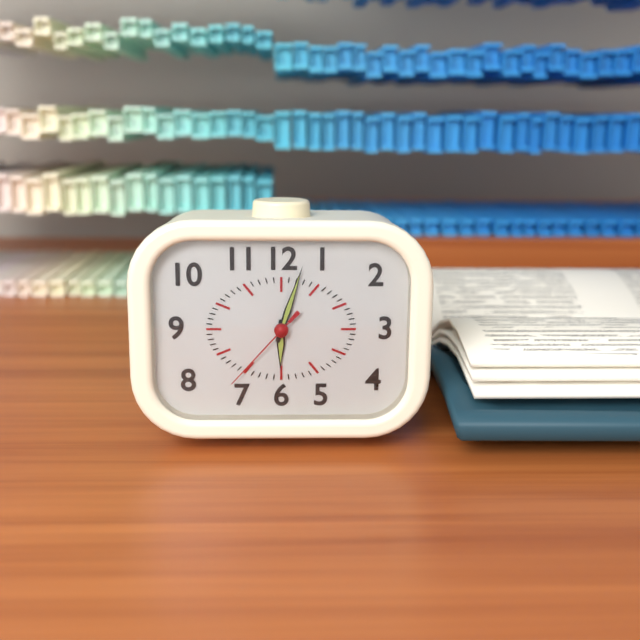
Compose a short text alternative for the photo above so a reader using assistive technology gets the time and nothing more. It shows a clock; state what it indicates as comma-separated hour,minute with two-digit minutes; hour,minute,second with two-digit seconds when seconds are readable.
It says 6,03,37
